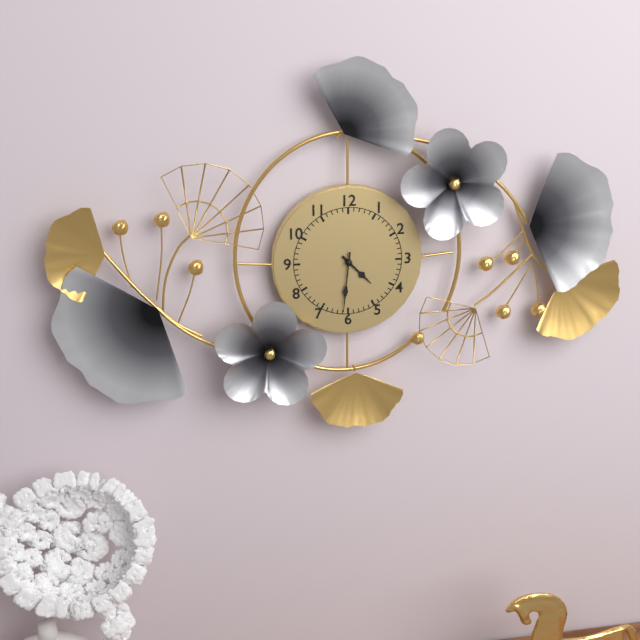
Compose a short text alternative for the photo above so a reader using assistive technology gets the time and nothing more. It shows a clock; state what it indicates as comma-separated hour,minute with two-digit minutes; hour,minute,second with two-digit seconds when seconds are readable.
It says 4,31
